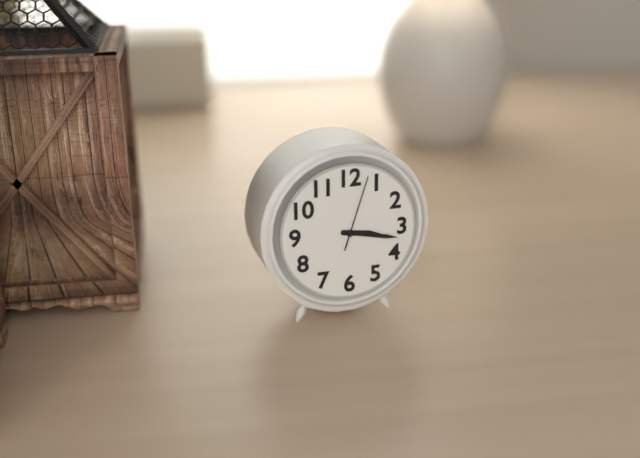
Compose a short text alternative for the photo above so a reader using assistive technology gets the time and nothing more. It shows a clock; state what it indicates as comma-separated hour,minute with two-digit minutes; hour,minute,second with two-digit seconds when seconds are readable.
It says 3,17,03
